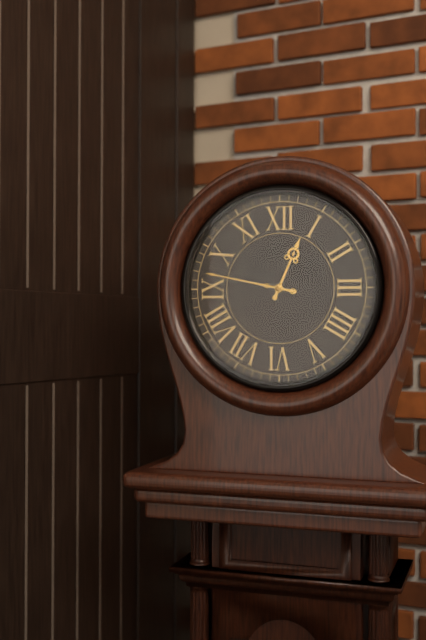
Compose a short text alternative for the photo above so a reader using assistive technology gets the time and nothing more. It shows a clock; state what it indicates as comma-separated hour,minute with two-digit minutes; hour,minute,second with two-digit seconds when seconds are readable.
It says 12,47
